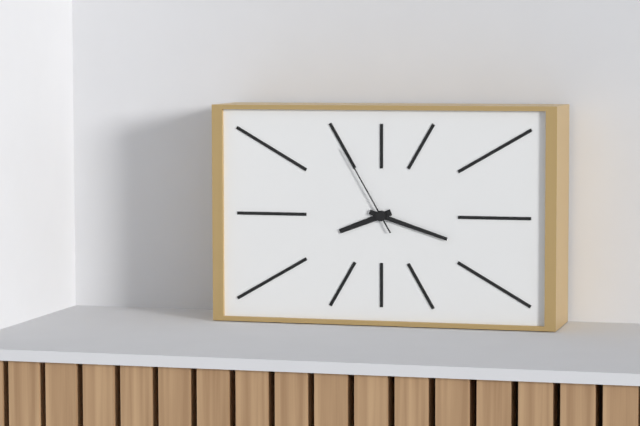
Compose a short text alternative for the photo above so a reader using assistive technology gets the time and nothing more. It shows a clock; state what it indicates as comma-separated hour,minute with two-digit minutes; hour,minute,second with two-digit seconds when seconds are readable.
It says 8,18,55
